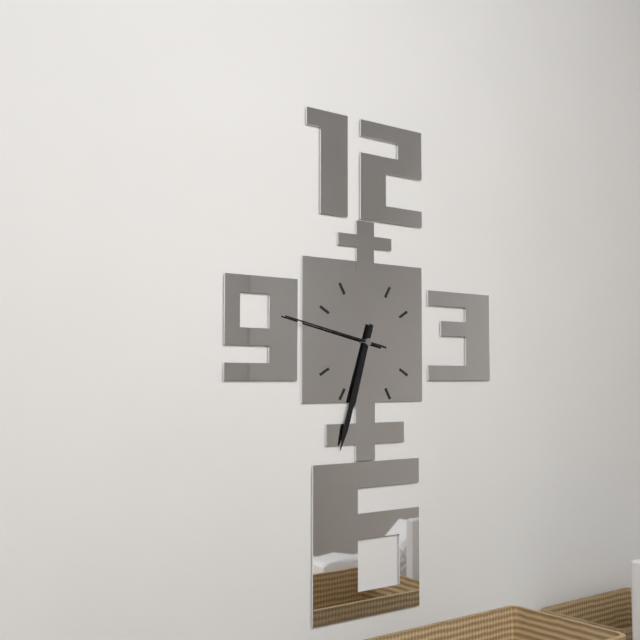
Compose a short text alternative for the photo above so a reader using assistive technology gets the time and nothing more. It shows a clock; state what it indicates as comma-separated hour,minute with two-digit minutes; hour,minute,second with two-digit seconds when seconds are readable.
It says 6,33,47
